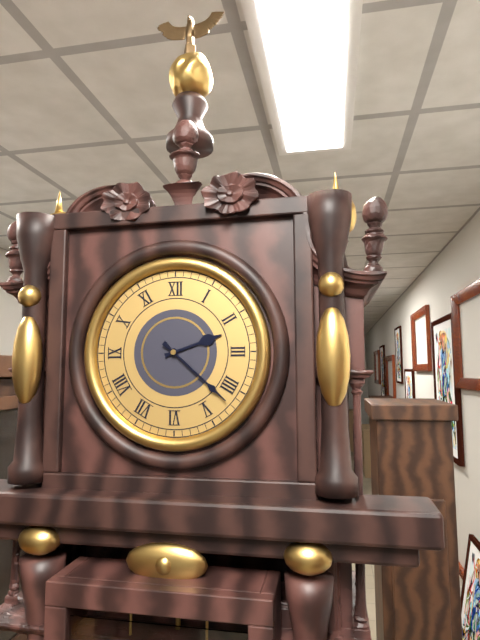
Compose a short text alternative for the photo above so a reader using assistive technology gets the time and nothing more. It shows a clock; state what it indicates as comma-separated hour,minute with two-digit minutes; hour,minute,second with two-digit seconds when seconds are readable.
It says 2,22
